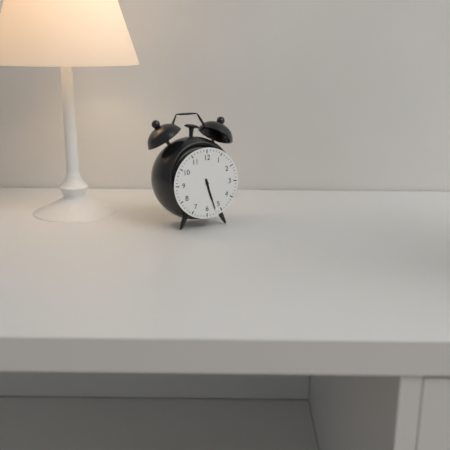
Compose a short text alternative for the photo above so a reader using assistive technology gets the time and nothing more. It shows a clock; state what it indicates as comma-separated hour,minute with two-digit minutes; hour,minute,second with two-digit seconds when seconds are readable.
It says 5,27
